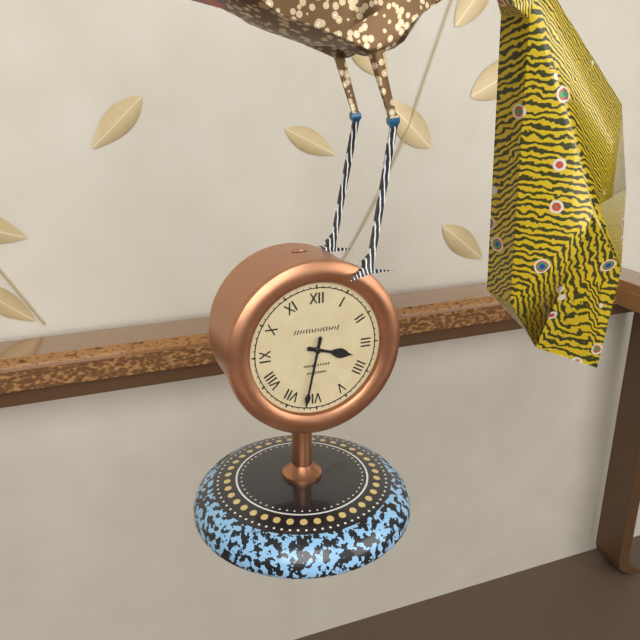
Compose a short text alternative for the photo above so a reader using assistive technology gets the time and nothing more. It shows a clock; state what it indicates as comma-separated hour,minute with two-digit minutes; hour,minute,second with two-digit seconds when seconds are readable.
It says 3,32
